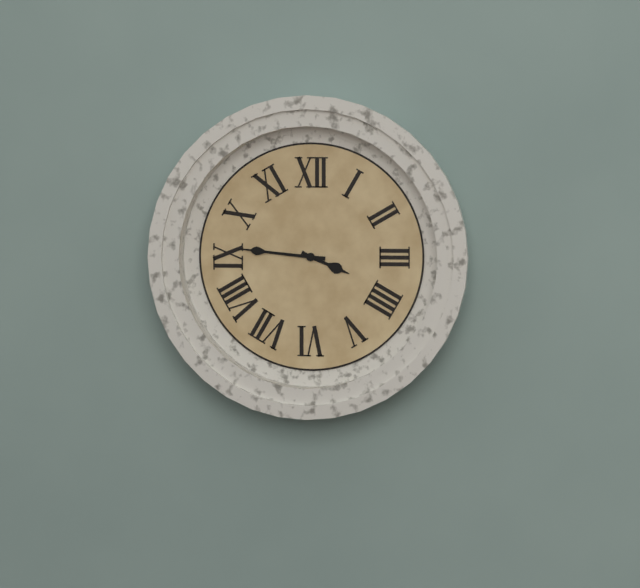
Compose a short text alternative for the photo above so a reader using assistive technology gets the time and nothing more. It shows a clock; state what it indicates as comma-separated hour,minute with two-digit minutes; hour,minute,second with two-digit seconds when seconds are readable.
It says 3,46
